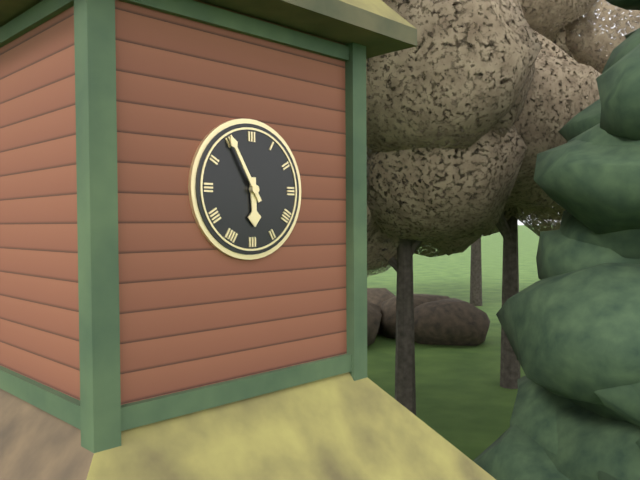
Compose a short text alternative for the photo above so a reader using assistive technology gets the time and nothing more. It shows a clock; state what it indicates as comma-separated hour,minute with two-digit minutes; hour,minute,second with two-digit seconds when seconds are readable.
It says 5,55
